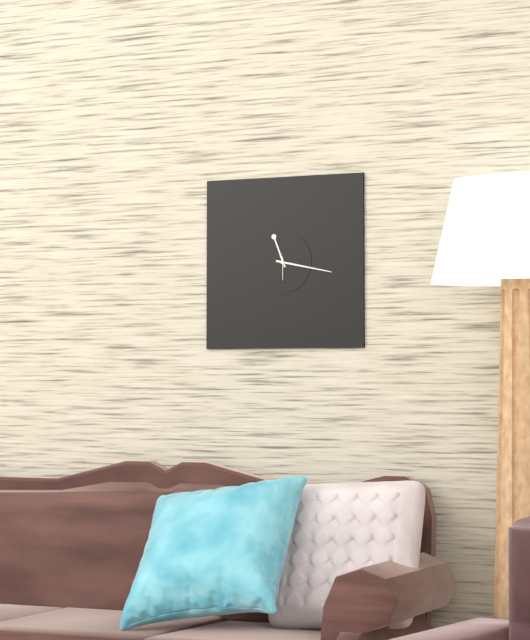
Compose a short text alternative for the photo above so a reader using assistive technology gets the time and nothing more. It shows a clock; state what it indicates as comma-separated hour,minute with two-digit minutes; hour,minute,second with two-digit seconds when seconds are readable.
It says 11,17
